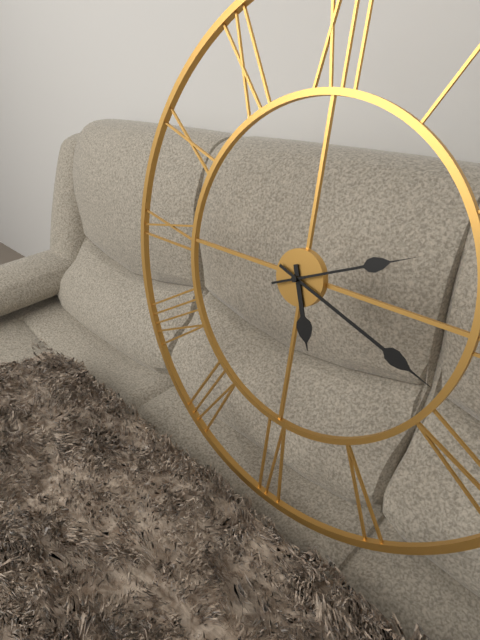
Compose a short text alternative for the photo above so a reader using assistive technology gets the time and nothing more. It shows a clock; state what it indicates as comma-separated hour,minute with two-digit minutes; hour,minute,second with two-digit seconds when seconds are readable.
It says 5,18,11
